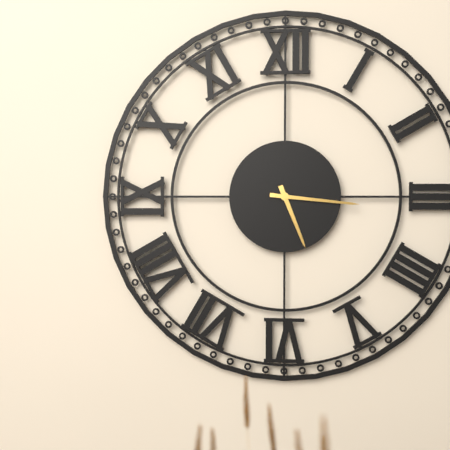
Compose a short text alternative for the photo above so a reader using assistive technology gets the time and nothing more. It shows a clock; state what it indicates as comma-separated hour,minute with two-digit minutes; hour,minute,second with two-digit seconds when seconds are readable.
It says 5,16
